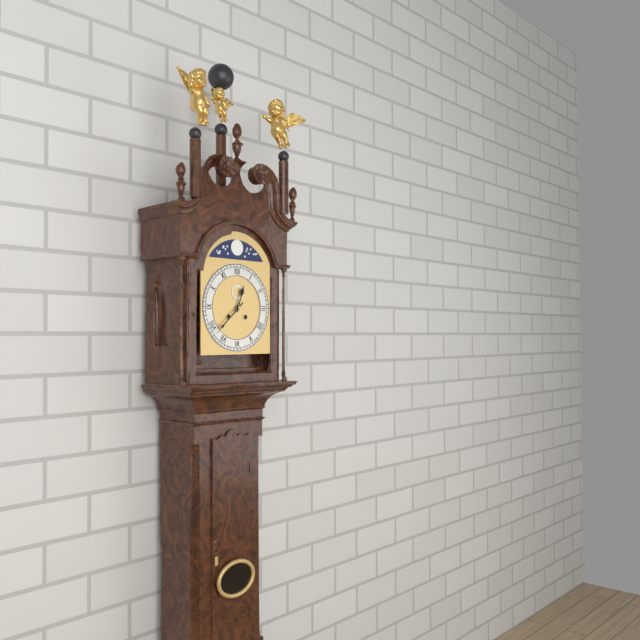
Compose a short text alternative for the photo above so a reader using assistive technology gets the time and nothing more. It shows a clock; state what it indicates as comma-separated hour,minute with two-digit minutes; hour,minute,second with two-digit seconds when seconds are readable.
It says 12,38
